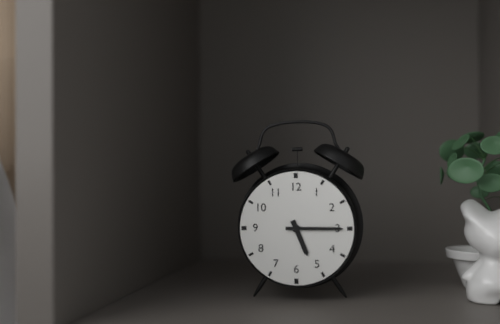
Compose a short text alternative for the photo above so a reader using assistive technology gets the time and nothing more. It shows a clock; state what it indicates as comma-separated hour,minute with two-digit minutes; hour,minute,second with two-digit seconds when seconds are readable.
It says 5,15
